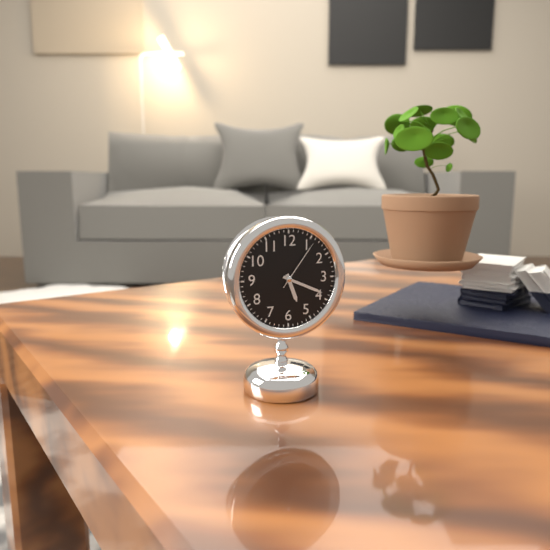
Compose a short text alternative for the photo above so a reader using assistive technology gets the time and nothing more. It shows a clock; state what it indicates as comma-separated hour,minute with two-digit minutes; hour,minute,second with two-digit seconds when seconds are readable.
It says 5,19,06
